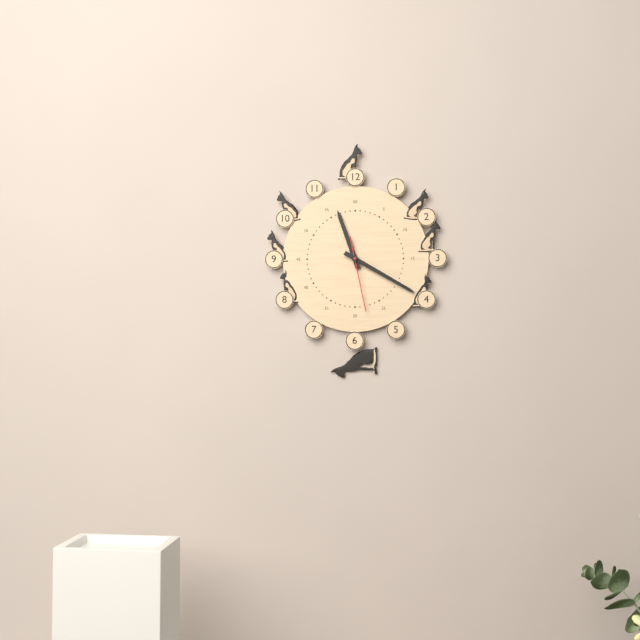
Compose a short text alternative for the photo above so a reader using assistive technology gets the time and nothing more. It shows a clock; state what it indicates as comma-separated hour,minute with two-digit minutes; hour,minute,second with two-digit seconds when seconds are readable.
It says 11,20,28
